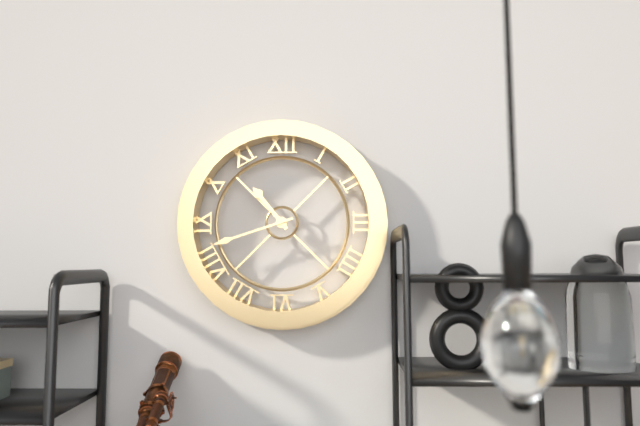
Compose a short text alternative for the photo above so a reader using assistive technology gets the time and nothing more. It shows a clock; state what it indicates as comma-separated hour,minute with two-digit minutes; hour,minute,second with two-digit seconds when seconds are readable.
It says 10,42
